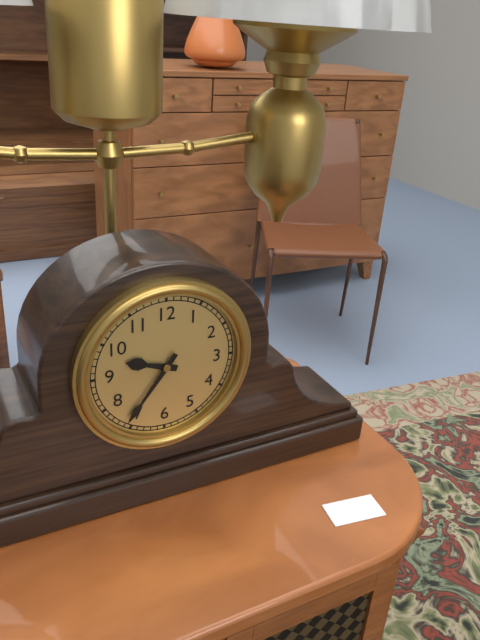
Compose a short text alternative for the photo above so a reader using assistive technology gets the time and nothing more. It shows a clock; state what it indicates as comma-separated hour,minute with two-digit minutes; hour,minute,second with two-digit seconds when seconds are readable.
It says 9,36
